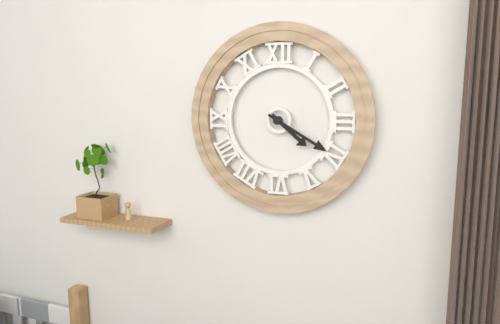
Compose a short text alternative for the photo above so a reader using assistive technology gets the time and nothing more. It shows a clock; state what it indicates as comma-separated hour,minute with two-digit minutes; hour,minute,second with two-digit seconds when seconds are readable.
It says 4,20
